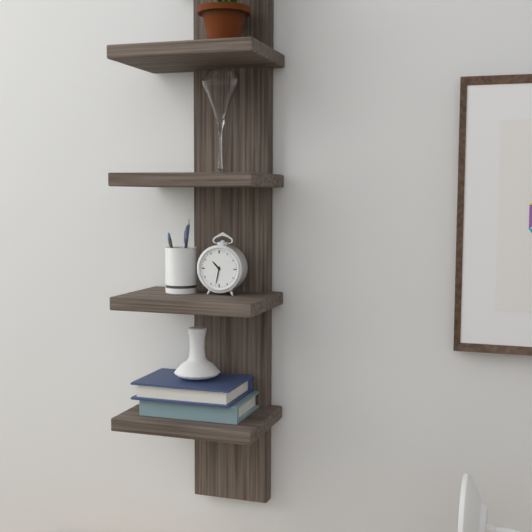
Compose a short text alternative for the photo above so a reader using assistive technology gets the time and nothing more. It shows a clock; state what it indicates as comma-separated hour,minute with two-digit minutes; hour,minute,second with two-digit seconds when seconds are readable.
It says 10,32
